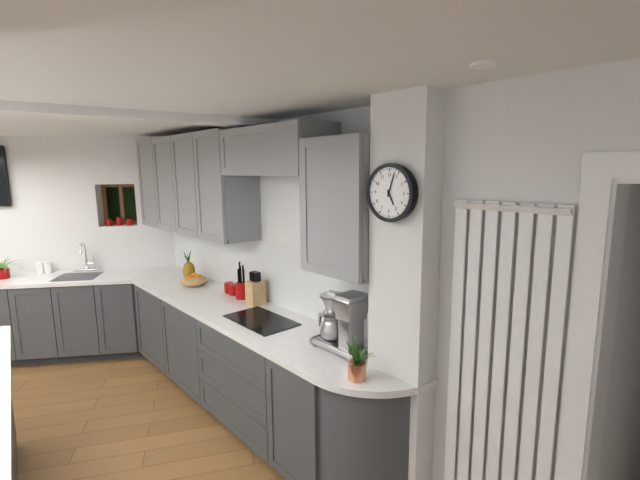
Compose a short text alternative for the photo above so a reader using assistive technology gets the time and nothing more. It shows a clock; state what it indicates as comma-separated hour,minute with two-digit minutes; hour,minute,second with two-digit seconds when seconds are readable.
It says 5,03
